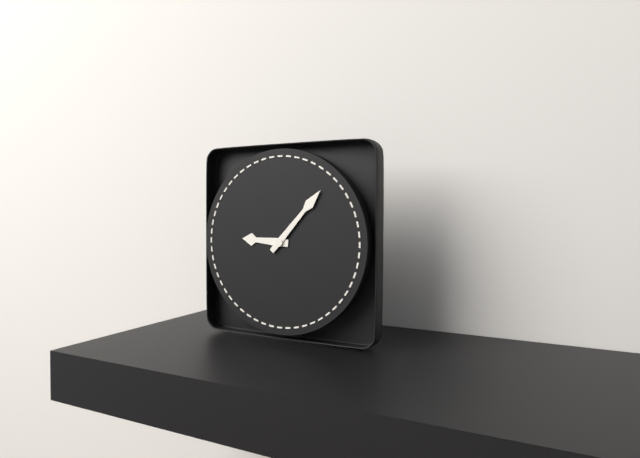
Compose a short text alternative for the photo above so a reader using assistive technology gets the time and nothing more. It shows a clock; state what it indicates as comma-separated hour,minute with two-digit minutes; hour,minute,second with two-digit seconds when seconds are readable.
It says 9,07
